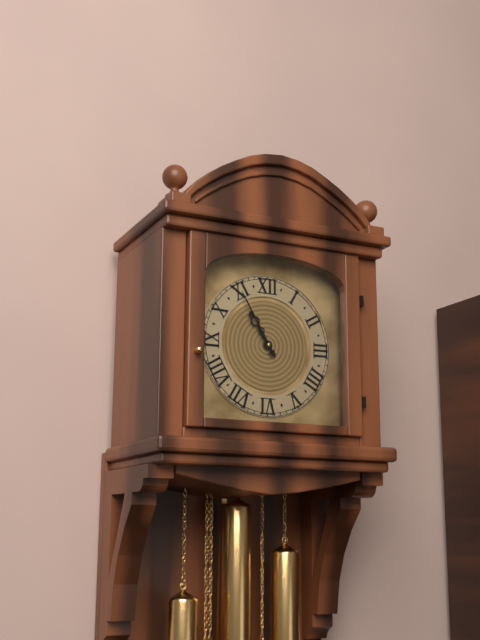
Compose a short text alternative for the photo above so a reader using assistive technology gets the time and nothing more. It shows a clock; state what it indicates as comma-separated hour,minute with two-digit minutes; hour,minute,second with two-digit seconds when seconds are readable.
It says 10,55
